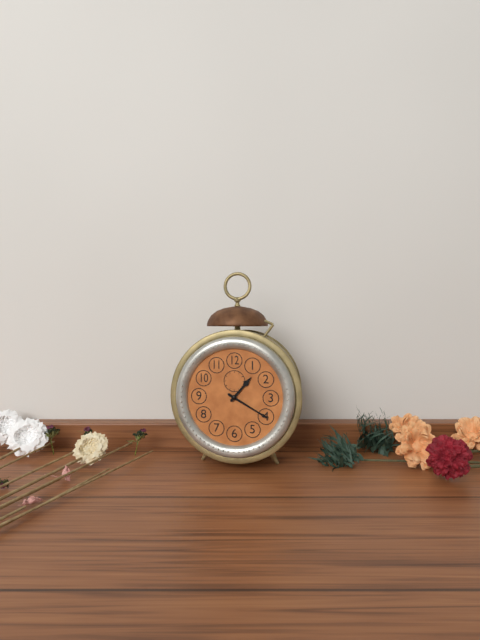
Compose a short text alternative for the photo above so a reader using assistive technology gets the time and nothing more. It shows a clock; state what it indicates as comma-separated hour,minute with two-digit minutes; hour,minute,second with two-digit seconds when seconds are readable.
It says 1,20
